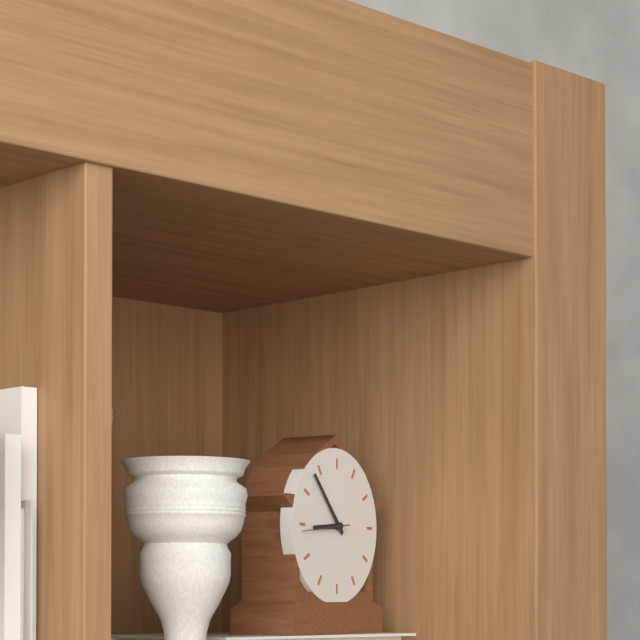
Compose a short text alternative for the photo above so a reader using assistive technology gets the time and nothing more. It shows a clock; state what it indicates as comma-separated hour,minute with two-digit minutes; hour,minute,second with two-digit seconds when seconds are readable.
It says 8,53
